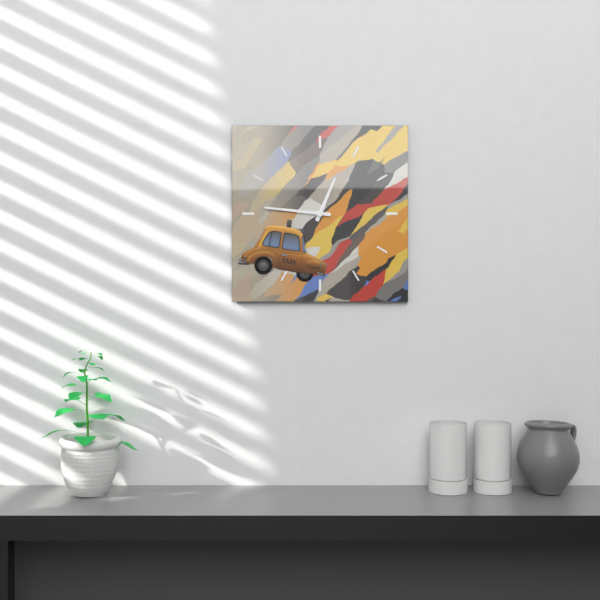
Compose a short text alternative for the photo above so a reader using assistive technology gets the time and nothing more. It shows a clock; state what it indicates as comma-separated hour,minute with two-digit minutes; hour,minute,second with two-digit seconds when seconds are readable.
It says 12,46
